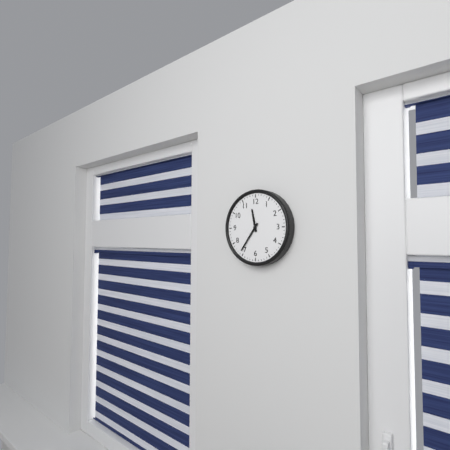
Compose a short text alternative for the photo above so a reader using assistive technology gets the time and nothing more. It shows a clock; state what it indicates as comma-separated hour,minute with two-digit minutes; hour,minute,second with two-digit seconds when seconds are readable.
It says 11,36
